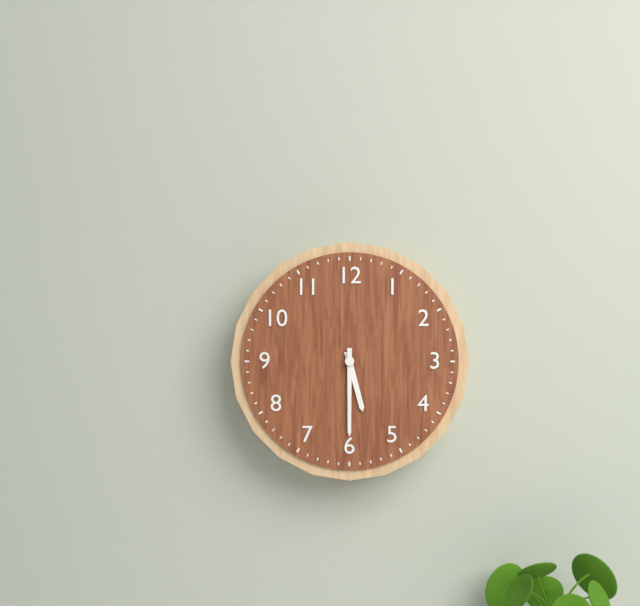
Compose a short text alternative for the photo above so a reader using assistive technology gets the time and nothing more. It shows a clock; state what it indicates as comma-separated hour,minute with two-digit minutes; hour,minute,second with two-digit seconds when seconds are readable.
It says 5,30
